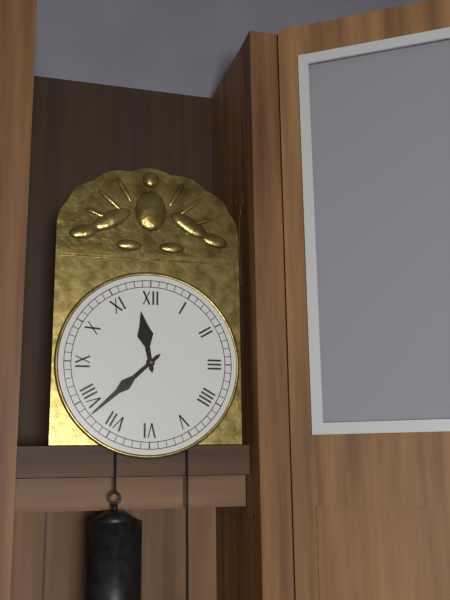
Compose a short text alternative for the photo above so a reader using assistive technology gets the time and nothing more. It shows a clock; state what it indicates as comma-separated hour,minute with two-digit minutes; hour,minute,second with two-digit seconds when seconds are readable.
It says 11,38
